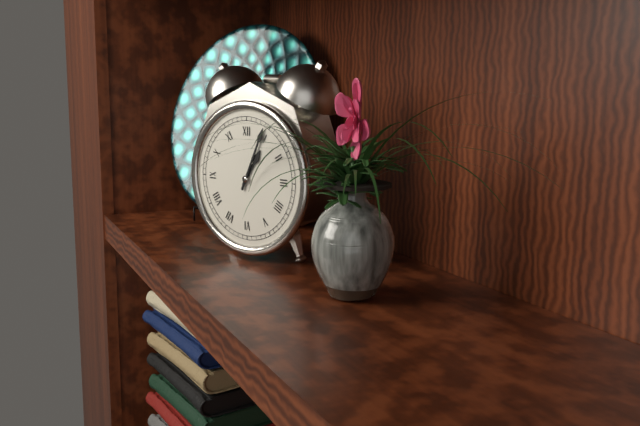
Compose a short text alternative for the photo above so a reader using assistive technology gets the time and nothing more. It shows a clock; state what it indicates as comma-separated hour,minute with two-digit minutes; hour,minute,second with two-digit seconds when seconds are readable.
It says 1,04
